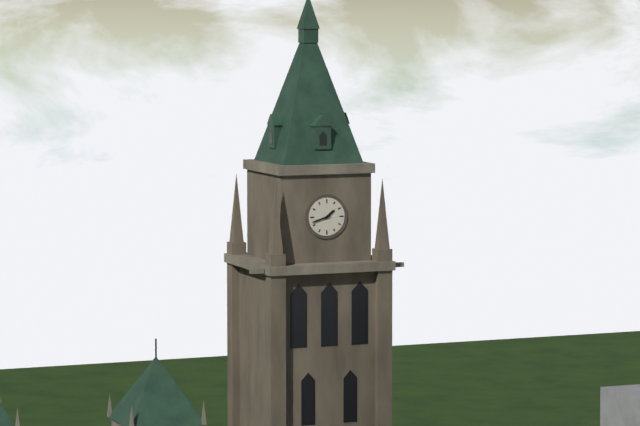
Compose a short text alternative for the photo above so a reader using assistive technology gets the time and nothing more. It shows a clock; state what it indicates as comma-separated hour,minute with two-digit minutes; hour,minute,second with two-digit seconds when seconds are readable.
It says 1,42
